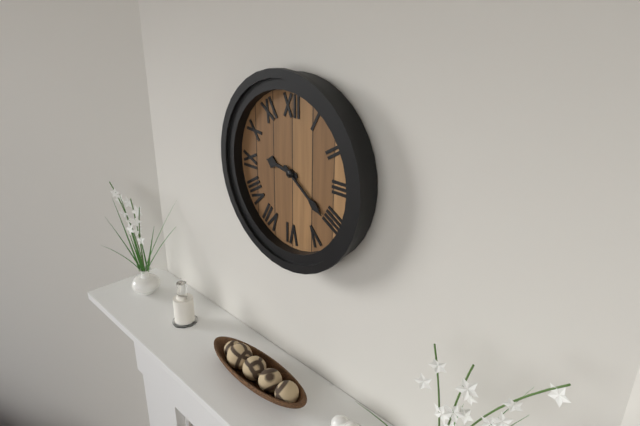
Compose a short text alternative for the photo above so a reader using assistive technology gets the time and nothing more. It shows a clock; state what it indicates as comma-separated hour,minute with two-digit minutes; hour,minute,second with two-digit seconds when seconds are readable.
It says 9,21
